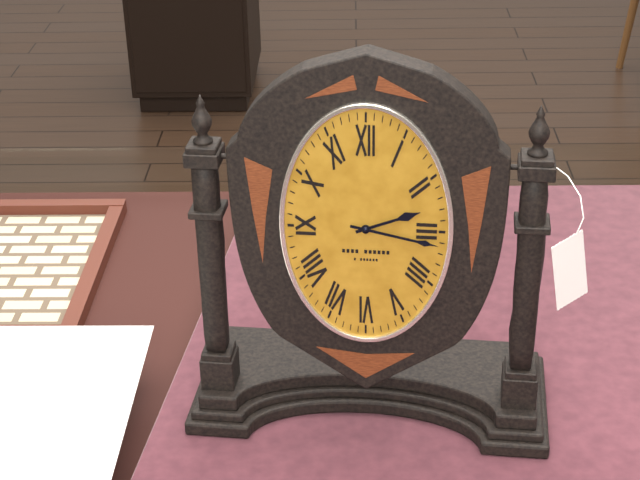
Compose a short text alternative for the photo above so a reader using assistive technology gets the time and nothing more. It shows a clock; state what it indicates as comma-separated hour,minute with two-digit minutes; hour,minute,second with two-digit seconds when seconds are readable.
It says 2,17
